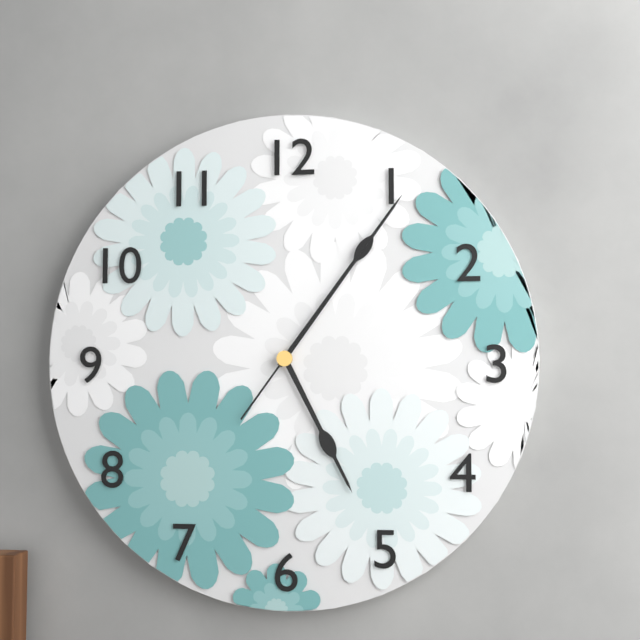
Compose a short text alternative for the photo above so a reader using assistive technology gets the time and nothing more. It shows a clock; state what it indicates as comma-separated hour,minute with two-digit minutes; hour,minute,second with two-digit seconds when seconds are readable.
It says 5,06,06
